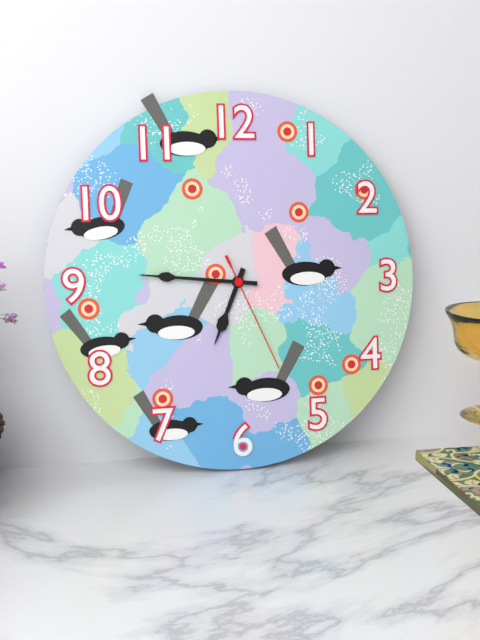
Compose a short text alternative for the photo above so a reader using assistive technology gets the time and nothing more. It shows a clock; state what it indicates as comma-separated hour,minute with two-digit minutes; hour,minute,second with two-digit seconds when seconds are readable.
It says 6,46,26
